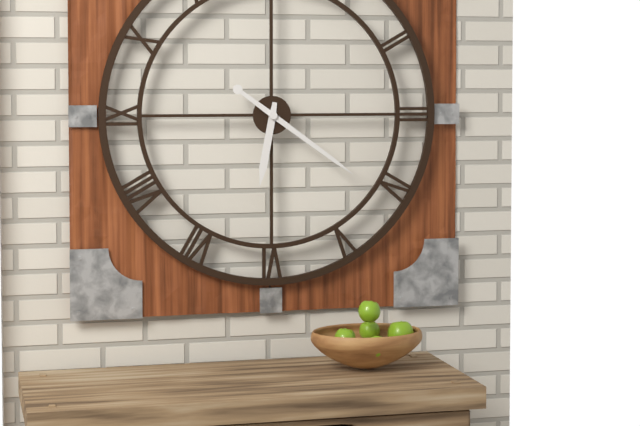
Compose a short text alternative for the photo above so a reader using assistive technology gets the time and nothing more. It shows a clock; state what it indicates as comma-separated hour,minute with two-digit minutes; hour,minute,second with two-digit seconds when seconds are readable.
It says 6,21
